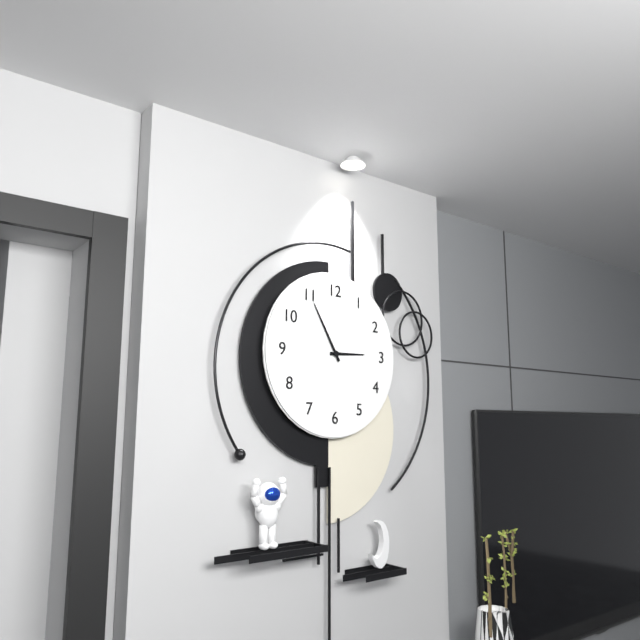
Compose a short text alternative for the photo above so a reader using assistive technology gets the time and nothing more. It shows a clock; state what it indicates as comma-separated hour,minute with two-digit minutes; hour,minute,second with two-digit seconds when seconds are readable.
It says 2,55
